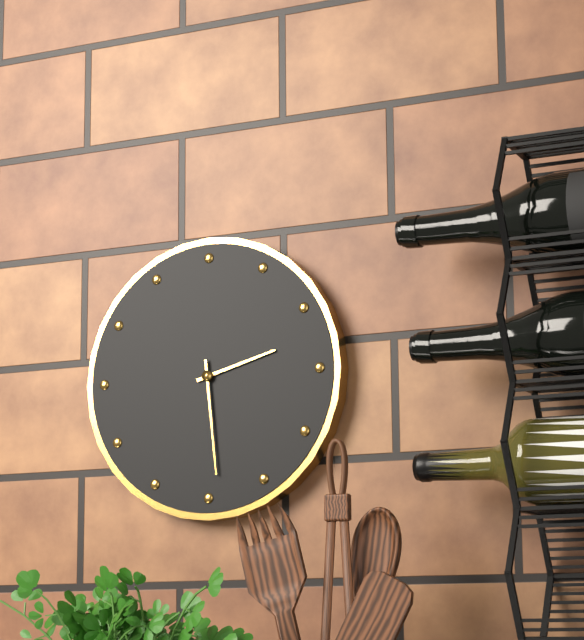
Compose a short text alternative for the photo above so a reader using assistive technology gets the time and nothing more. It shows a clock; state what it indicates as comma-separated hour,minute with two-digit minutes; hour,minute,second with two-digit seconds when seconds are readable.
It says 2,29
